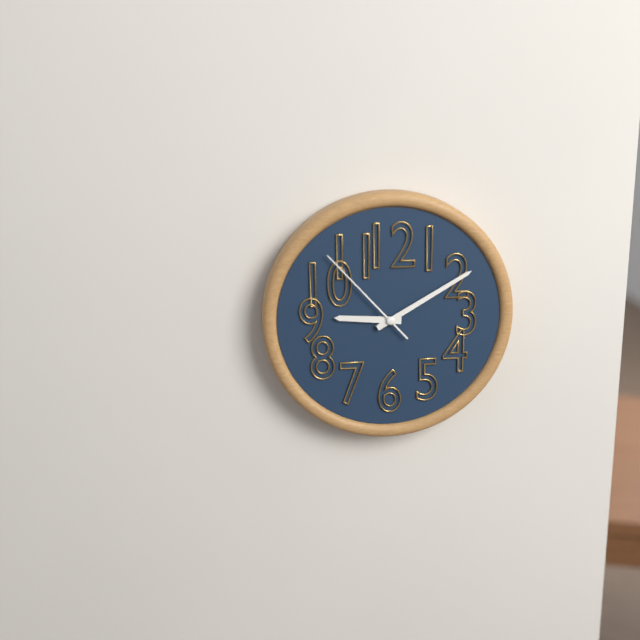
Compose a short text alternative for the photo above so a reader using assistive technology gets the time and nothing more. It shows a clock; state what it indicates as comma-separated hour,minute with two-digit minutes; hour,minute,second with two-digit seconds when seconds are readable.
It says 9,10,53
